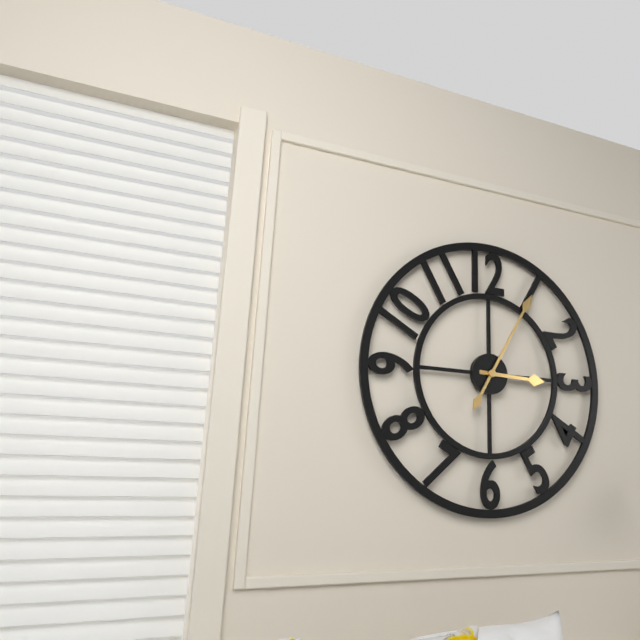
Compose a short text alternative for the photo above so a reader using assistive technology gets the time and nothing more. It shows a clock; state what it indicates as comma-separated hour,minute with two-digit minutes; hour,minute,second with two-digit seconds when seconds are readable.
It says 3,05
